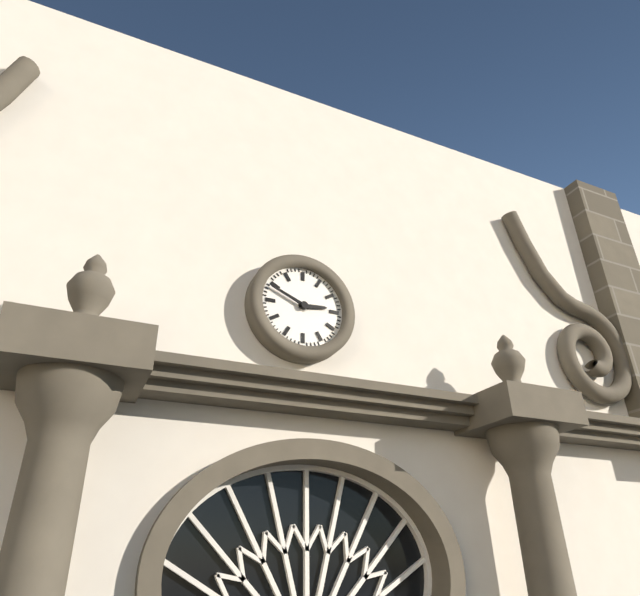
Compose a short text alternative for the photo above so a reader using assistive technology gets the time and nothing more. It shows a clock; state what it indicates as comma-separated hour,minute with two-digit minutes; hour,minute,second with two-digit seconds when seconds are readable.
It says 2,49
